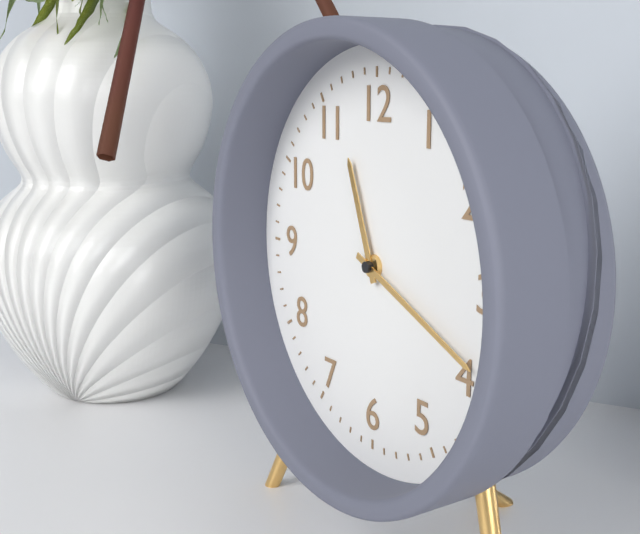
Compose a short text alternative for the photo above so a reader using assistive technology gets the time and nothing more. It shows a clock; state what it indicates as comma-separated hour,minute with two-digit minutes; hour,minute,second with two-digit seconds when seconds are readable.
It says 11,19
